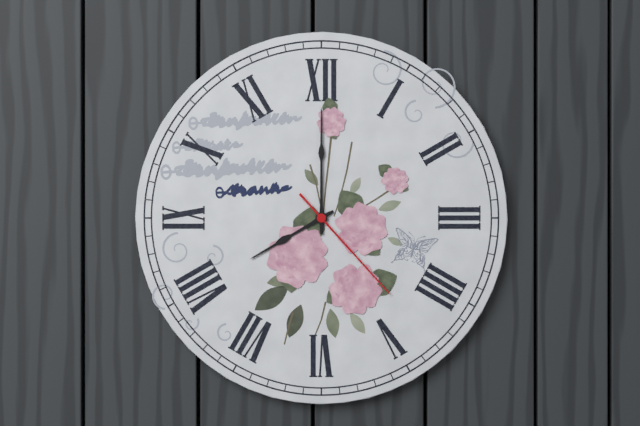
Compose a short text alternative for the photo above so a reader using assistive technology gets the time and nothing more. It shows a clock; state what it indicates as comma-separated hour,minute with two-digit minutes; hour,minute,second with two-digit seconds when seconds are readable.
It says 8,00,23
